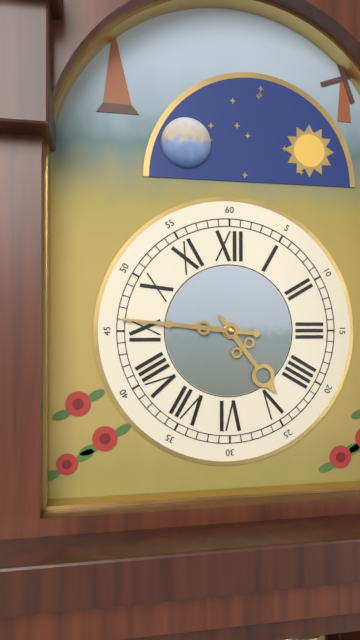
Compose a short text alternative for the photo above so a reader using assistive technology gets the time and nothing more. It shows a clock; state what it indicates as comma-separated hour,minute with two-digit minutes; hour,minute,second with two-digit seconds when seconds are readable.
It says 4,46
